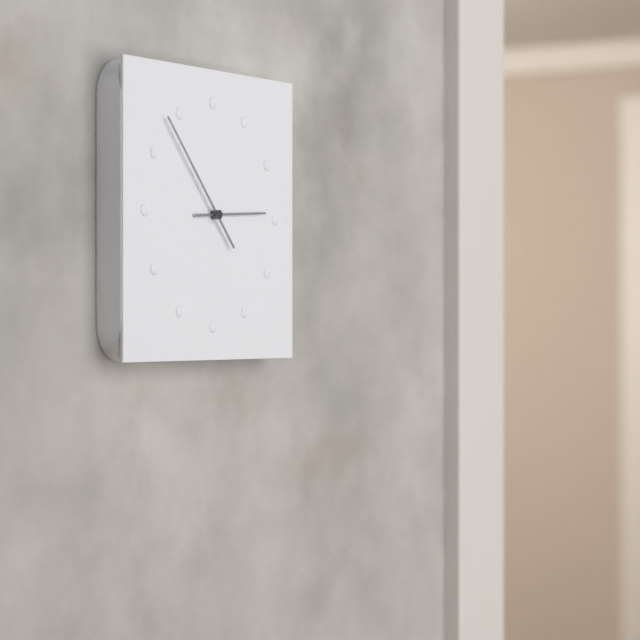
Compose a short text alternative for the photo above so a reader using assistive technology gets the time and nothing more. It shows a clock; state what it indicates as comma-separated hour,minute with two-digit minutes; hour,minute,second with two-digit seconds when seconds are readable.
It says 2,53
